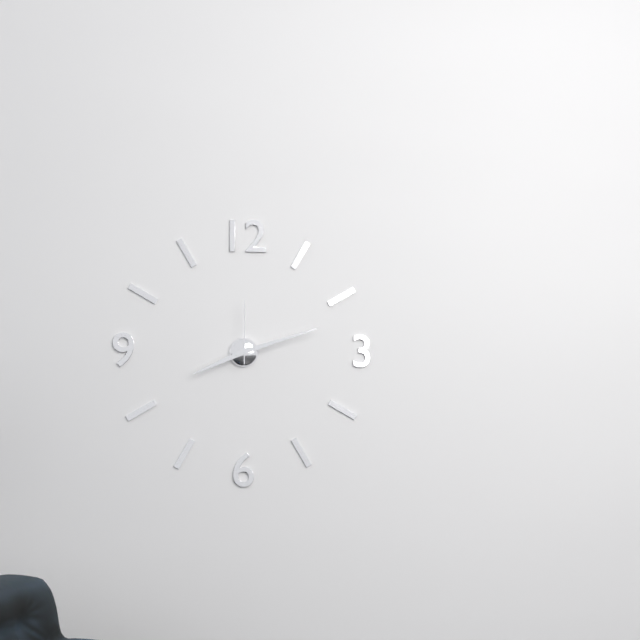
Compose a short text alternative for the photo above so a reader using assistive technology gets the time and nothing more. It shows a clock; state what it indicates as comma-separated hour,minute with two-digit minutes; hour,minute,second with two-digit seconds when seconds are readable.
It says 8,12,00
